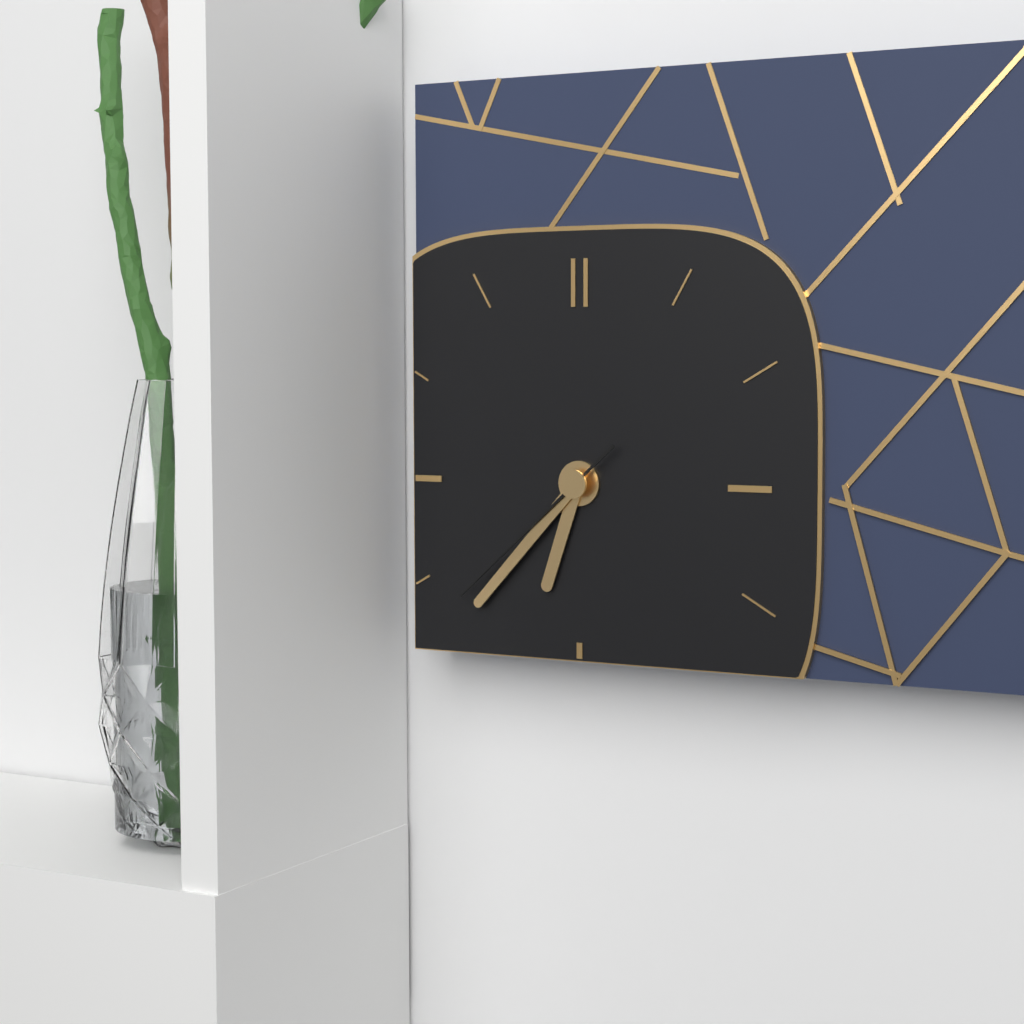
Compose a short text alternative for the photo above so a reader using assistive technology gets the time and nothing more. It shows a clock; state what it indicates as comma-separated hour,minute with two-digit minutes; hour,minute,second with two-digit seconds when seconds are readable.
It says 6,37,38
